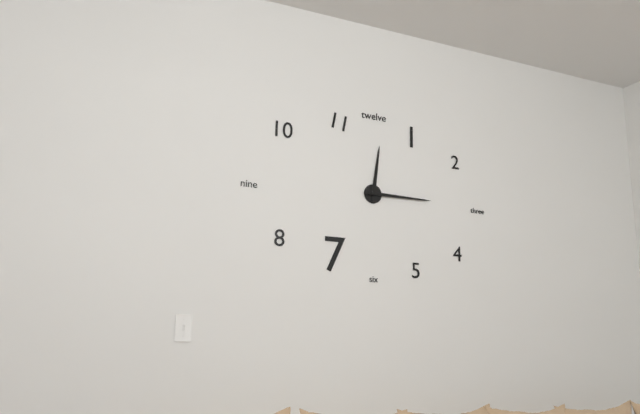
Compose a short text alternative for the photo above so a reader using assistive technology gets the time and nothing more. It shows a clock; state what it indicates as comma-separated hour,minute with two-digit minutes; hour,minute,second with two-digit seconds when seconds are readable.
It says 12,15
